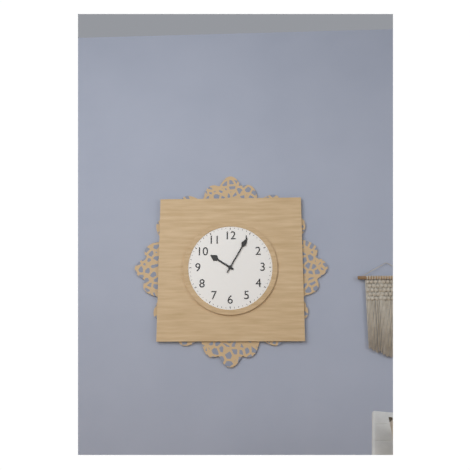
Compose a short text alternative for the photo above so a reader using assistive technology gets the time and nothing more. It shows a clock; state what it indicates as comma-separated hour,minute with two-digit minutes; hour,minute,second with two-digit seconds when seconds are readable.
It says 10,05
